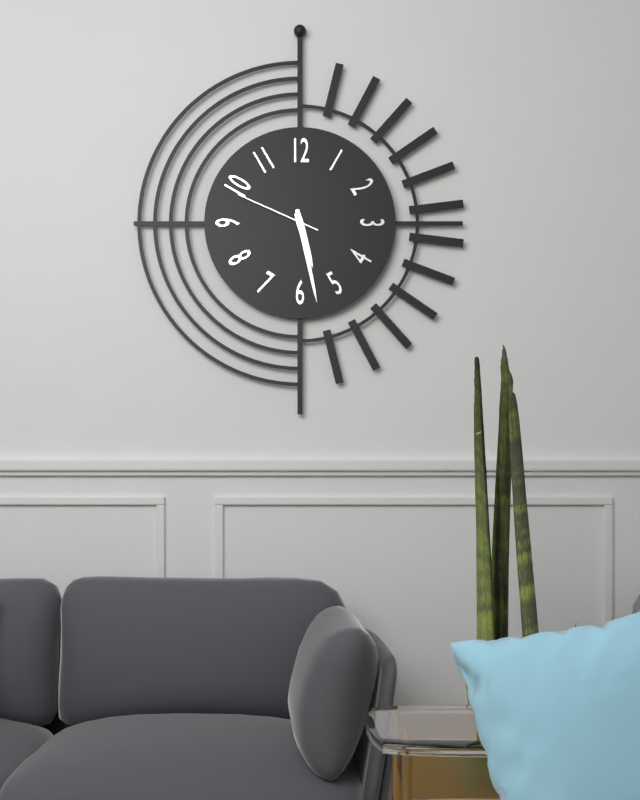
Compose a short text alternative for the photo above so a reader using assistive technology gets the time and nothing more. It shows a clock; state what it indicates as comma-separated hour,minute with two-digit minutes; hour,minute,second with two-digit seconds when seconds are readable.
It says 5,28,49
